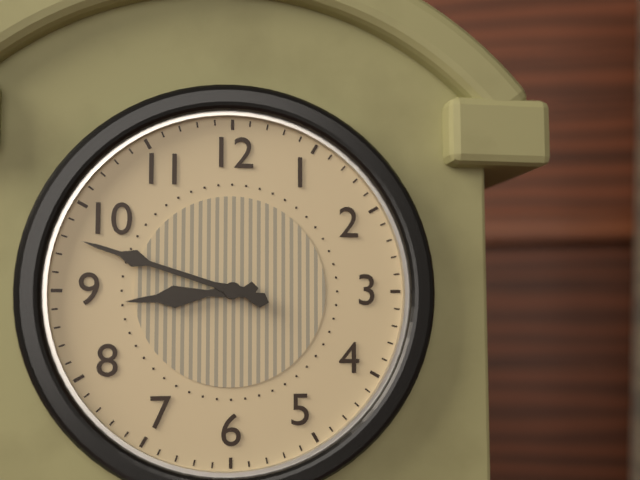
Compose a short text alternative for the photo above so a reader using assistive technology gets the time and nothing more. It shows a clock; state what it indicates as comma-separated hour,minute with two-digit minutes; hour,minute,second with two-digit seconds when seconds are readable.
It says 8,48
